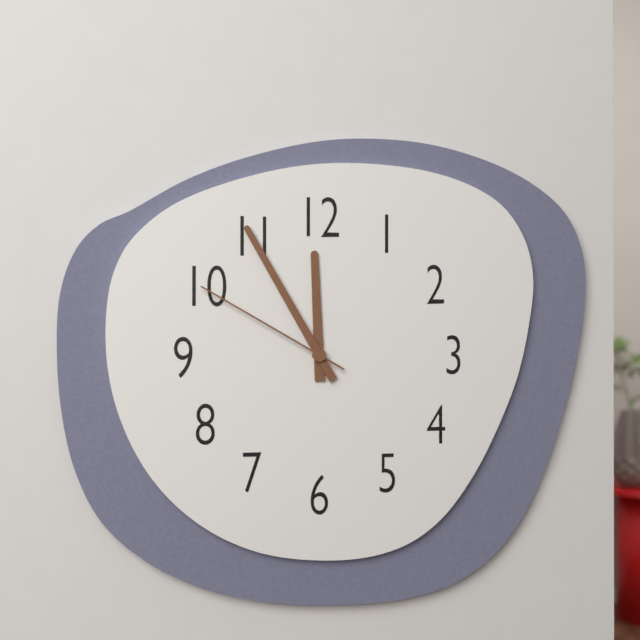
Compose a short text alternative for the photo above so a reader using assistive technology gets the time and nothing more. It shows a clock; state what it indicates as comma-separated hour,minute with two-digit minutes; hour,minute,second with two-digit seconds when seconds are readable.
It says 11,55,50
